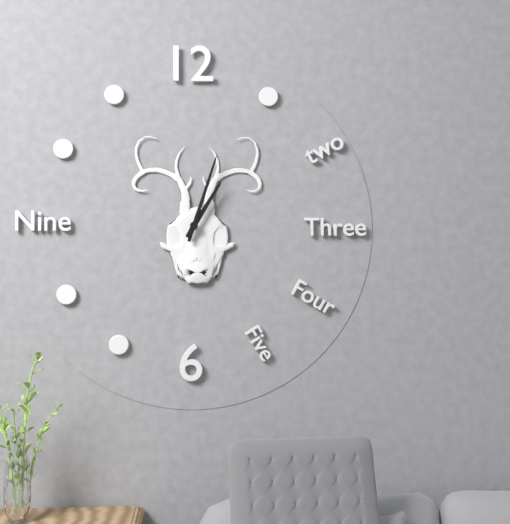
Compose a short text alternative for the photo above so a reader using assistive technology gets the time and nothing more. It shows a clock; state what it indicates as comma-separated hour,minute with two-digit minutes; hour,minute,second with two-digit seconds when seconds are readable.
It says 1,03
